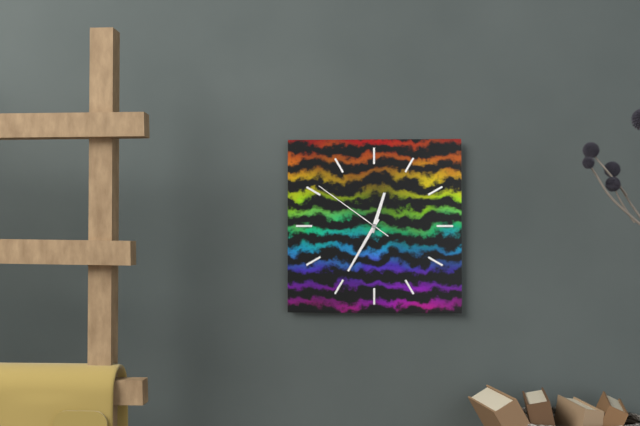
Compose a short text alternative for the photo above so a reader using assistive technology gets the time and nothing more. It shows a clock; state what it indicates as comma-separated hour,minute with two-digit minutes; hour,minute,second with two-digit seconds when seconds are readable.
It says 12,35,51
